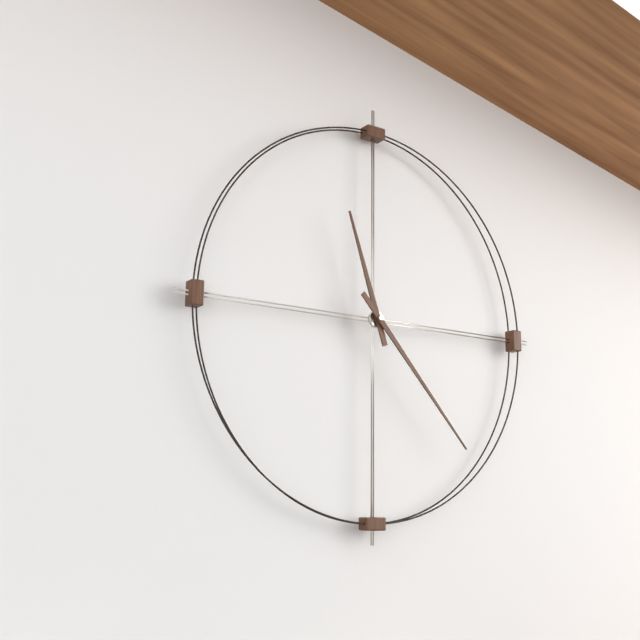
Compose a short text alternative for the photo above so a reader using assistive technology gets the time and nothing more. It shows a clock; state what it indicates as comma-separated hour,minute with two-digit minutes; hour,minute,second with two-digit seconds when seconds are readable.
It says 11,23
